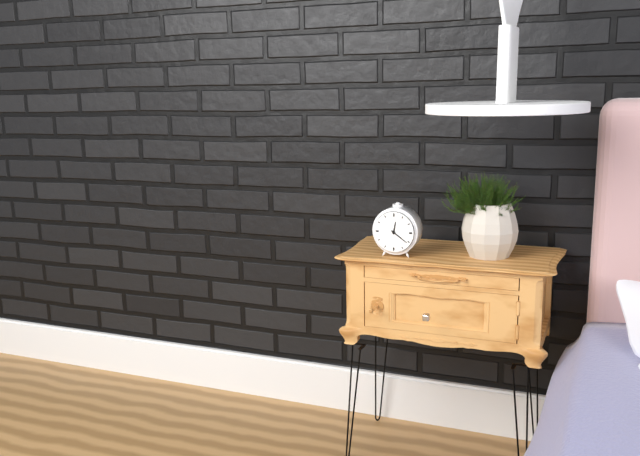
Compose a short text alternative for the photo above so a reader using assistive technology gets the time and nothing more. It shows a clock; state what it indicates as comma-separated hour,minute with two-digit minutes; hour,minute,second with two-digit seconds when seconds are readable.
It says 12,21
